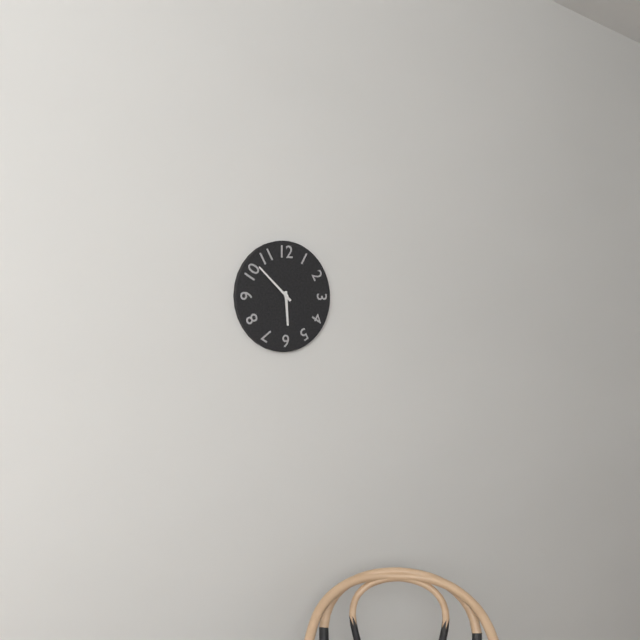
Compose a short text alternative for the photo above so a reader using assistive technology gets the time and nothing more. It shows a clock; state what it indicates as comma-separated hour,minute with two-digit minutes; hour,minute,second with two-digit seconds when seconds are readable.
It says 5,52
